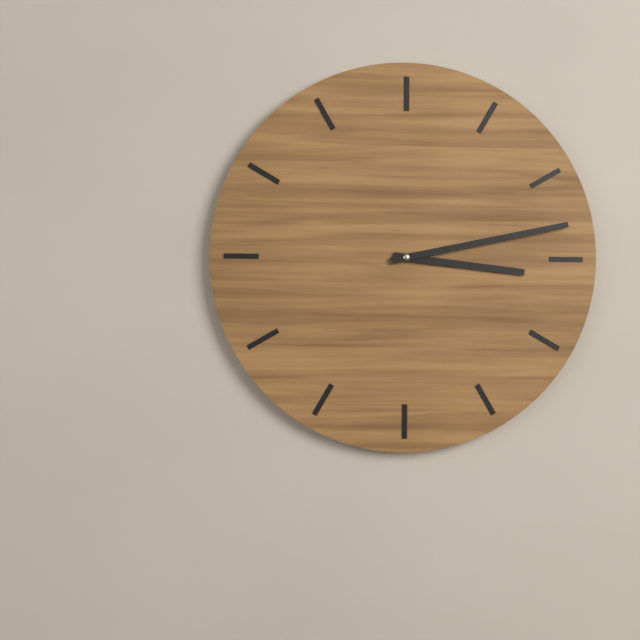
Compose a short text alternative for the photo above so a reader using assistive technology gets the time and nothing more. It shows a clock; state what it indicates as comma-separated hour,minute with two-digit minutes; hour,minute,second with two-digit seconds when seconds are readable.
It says 3,13
